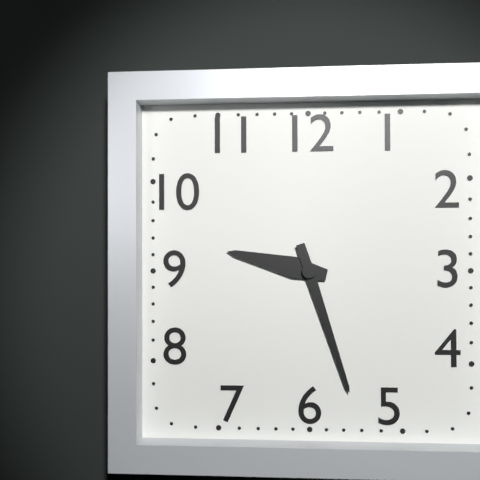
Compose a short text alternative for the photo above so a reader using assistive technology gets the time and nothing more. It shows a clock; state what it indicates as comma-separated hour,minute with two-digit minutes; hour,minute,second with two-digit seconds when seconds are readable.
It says 9,27
